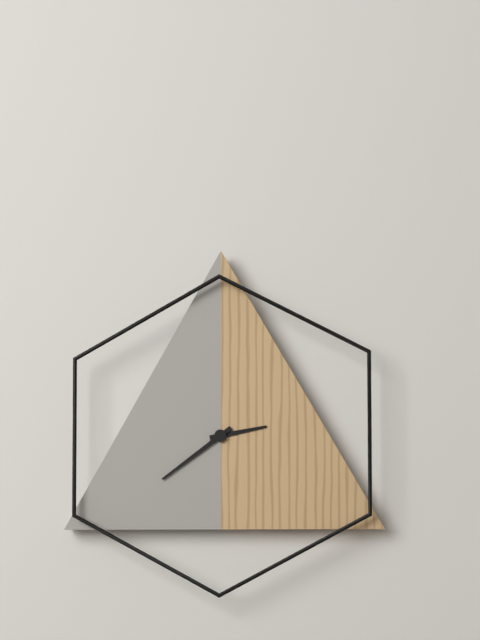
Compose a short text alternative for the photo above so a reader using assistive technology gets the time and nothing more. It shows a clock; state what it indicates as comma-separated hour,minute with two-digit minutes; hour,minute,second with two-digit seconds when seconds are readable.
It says 2,39
